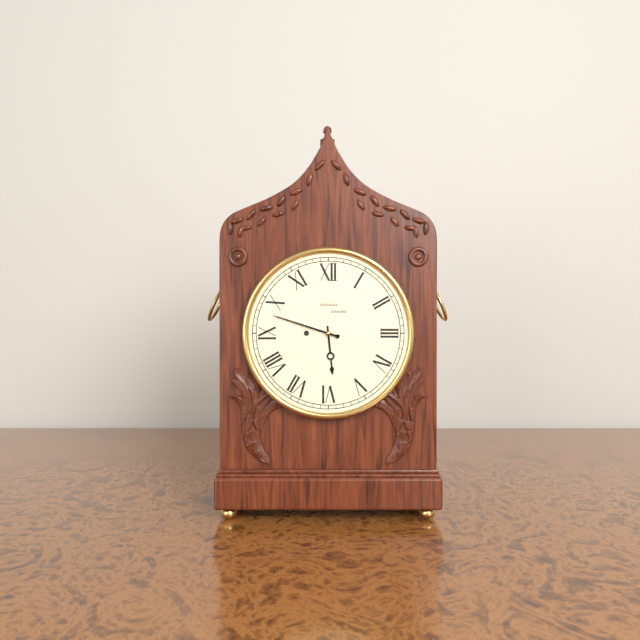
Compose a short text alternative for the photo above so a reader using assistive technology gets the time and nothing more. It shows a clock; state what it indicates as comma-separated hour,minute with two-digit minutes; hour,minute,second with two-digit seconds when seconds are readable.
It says 5,48
